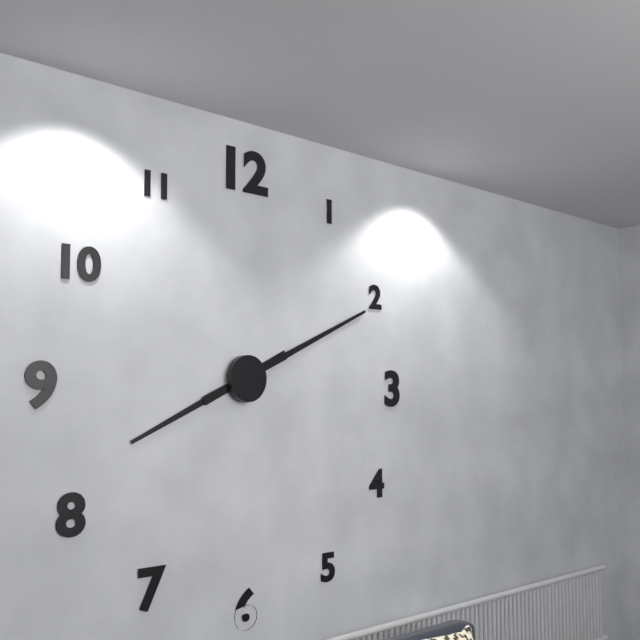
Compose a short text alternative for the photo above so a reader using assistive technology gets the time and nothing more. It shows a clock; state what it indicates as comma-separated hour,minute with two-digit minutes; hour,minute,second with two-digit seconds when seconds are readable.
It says 8,11
